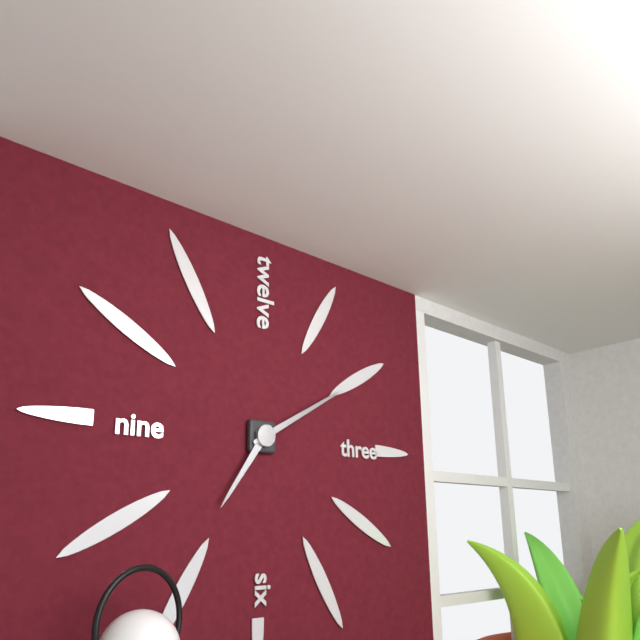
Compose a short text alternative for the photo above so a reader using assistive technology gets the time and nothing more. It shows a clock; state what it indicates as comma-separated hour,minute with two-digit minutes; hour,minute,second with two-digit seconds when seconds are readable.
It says 7,10
